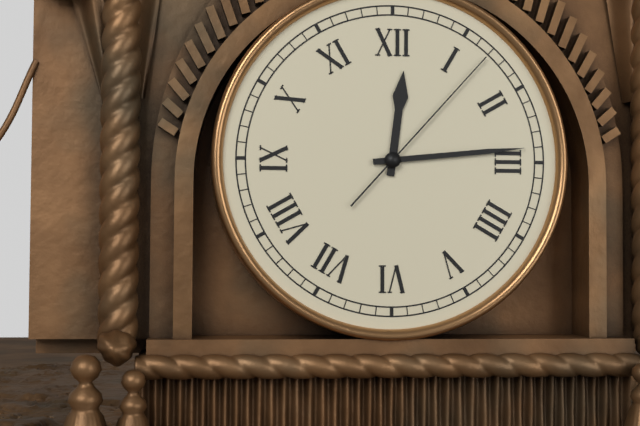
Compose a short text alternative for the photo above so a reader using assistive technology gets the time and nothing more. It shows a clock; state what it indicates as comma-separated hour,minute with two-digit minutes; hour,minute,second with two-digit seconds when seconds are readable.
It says 12,14,07
